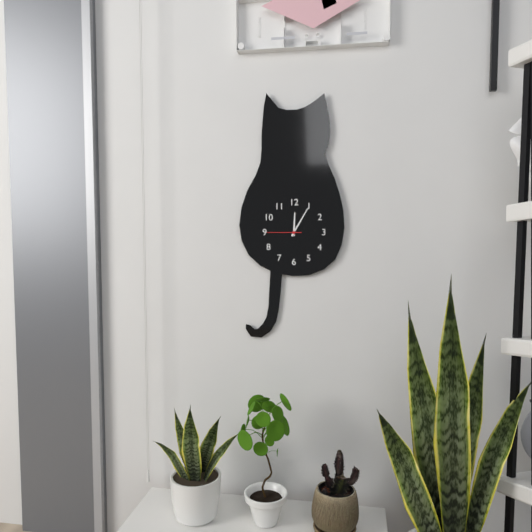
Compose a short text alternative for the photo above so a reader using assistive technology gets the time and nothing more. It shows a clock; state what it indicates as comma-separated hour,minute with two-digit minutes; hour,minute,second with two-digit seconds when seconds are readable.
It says 12,05
